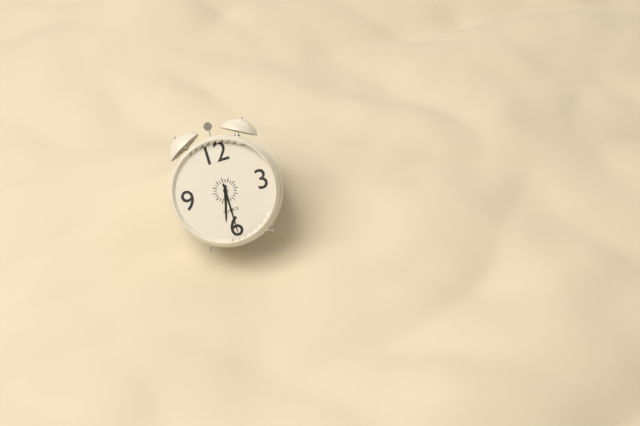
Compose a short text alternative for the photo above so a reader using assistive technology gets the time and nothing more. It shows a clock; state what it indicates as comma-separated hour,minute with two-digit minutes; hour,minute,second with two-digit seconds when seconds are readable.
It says 6,30
